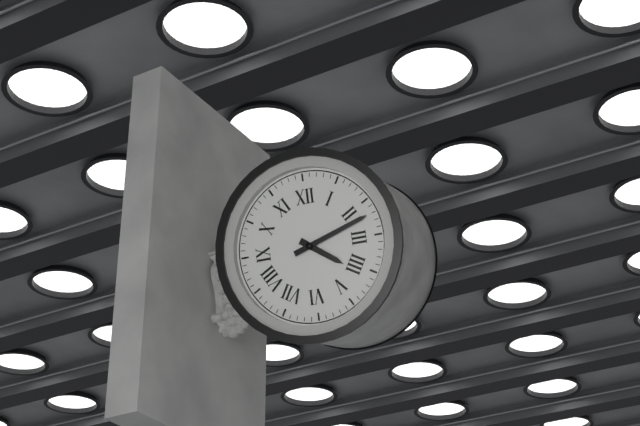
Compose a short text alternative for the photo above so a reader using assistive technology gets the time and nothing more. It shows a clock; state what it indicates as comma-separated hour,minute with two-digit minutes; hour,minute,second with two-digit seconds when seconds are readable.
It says 4,12
